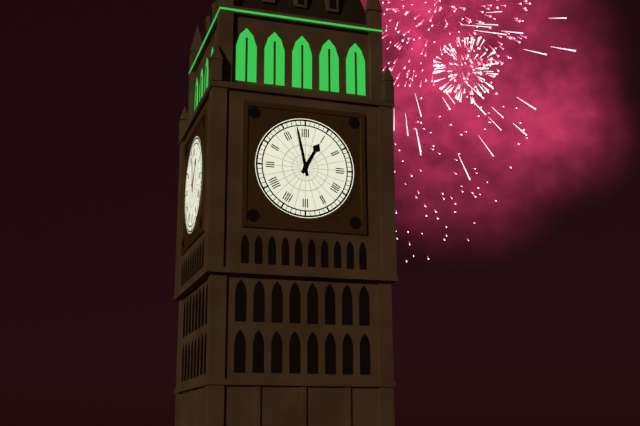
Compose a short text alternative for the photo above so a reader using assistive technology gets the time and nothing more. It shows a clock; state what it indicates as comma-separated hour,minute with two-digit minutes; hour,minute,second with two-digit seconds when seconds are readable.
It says 12,58
